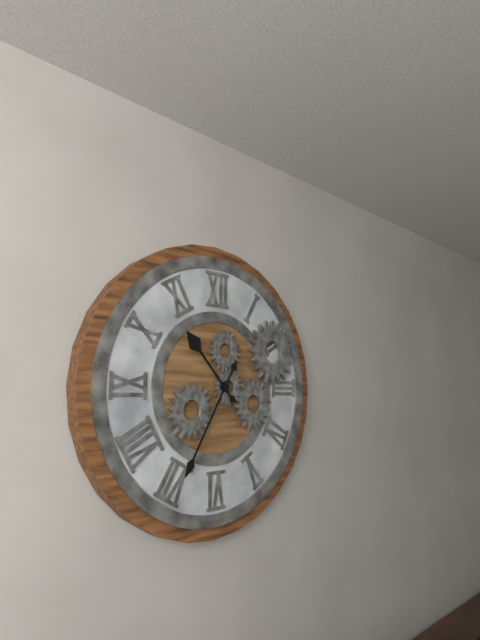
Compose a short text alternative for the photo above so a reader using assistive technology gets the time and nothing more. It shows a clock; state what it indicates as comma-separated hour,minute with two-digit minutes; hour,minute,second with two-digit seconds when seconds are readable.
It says 10,35
